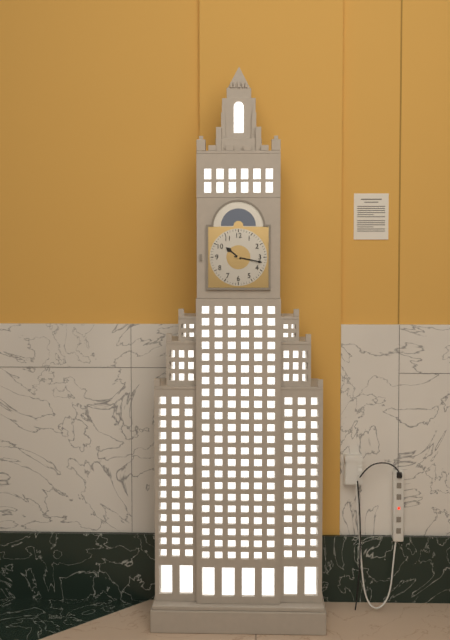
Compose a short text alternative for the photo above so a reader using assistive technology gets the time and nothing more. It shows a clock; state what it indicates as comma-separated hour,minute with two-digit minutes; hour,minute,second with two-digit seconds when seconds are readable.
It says 10,17
